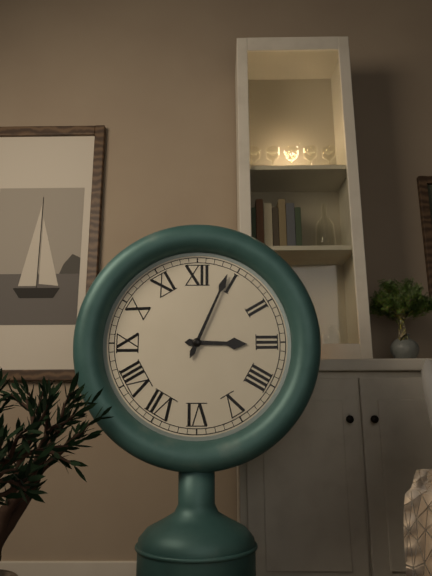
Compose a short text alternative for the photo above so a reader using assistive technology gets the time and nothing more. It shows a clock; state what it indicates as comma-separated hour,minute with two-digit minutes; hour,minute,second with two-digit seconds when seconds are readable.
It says 3,04
